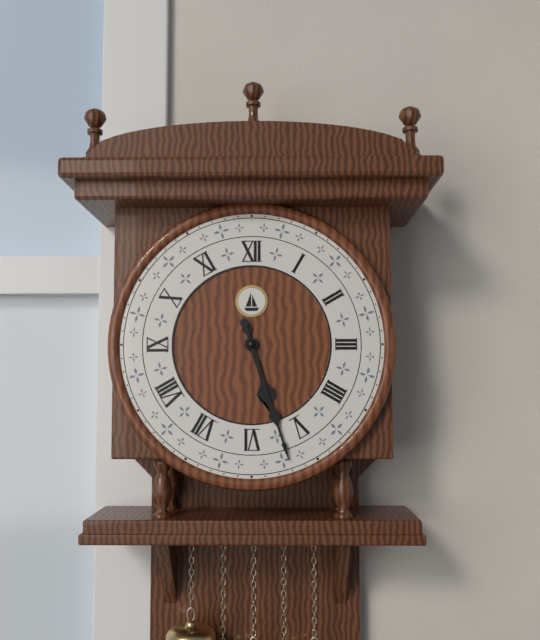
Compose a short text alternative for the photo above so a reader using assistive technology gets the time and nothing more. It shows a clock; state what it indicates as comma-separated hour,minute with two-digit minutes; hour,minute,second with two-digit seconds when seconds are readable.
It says 5,27
